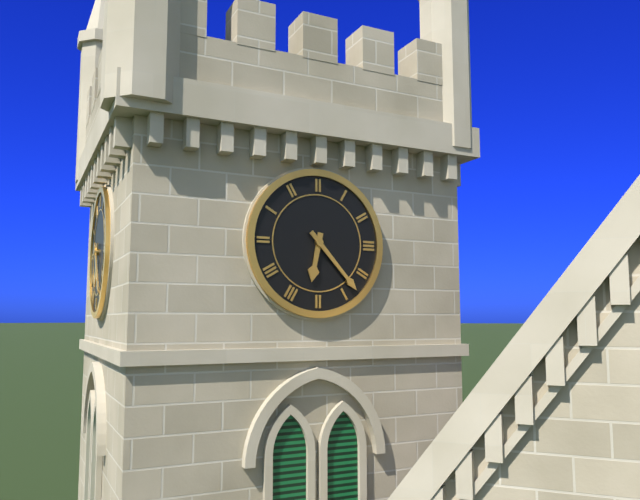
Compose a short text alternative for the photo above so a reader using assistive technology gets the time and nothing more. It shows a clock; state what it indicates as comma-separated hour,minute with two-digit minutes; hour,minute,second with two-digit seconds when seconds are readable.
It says 6,23
